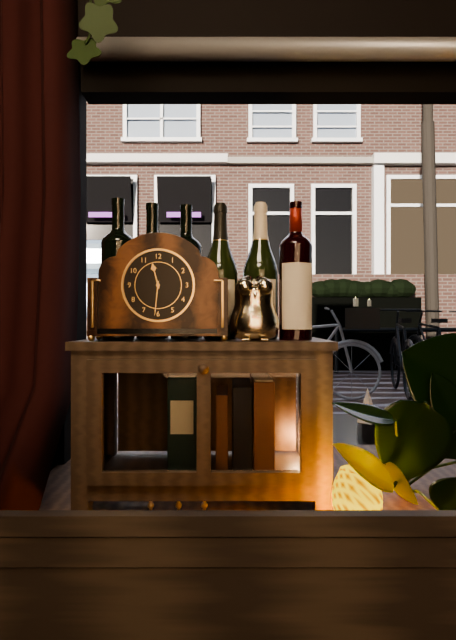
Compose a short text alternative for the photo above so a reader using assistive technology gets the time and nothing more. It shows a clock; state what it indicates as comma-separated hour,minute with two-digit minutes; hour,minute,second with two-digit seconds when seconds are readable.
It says 11,31
